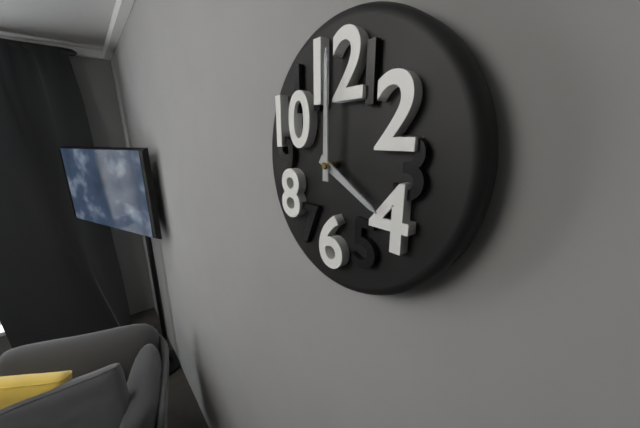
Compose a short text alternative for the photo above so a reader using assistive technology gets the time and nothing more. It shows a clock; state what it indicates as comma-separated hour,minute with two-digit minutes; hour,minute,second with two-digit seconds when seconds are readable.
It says 4,00
